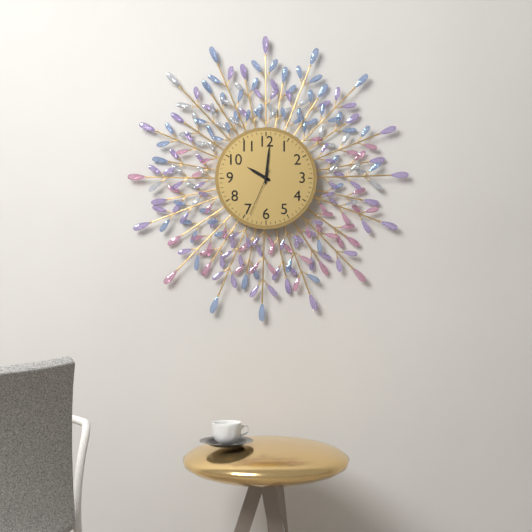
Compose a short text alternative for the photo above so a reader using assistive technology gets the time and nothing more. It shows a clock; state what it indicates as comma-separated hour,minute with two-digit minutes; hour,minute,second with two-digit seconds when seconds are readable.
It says 10,01
